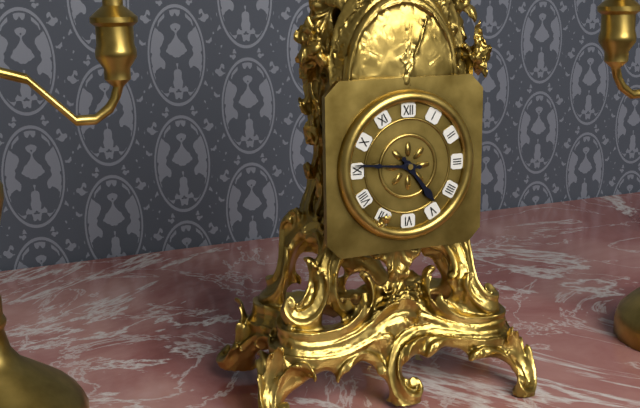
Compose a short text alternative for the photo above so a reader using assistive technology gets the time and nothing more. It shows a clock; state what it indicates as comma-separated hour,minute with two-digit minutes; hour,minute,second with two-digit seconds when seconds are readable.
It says 4,46
